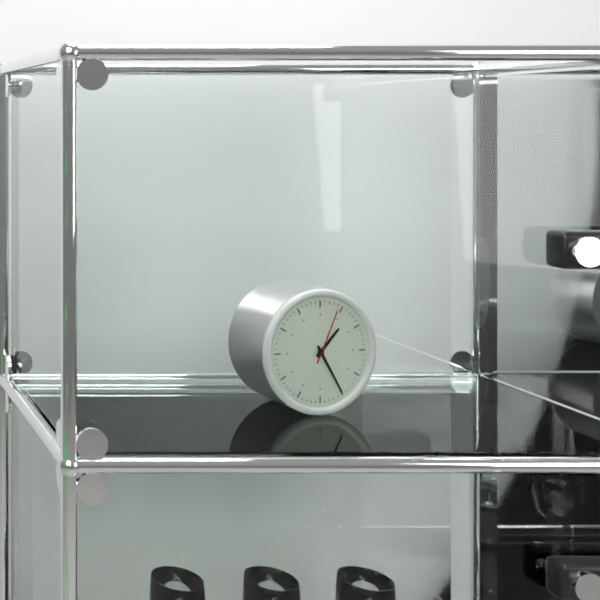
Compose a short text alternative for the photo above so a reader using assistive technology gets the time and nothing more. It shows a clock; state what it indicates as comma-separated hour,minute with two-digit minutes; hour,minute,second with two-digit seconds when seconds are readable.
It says 1,25,04
